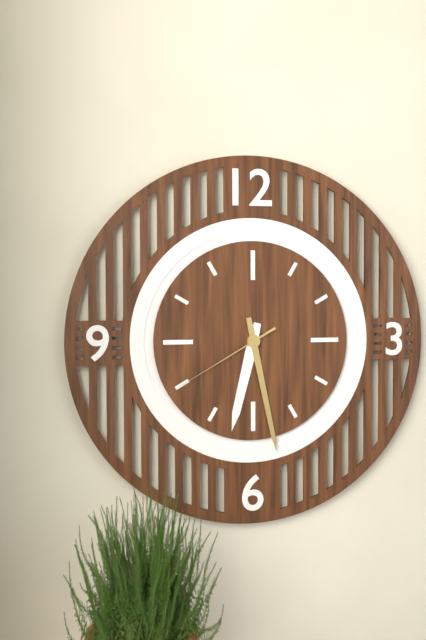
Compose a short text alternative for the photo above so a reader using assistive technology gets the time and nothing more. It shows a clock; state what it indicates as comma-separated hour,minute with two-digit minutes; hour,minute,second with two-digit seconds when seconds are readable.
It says 6,28,40
